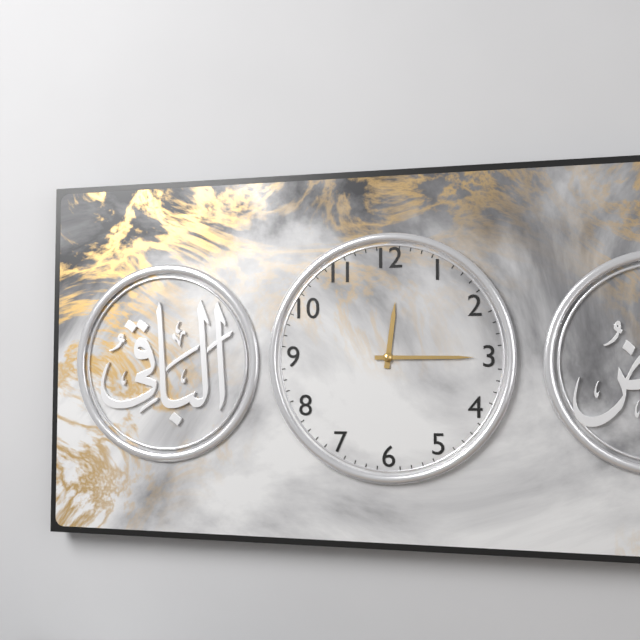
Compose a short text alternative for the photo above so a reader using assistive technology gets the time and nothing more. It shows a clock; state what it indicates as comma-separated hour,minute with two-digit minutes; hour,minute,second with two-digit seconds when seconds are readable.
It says 12,15
